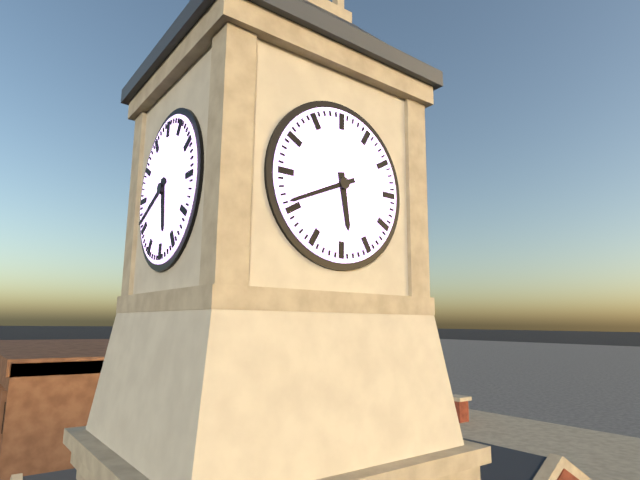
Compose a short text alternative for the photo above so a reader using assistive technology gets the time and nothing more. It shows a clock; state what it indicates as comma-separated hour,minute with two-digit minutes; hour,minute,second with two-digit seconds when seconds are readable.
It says 5,41
